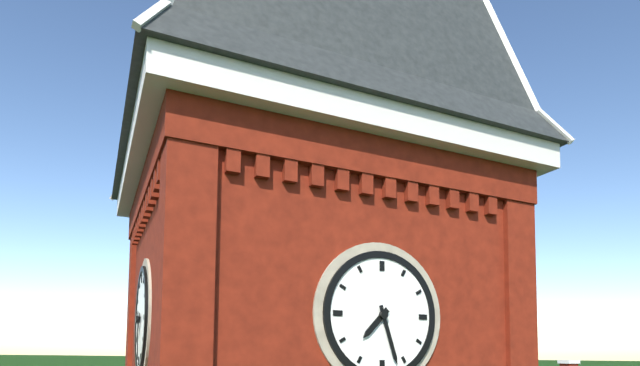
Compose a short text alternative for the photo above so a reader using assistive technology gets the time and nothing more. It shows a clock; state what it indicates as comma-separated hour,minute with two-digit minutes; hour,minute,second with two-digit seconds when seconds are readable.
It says 7,27
